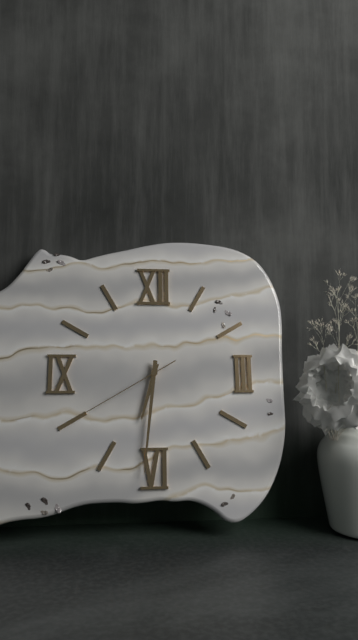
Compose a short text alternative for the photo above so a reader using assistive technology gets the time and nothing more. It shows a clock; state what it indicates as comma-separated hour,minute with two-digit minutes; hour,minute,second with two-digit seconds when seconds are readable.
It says 6,31,40
